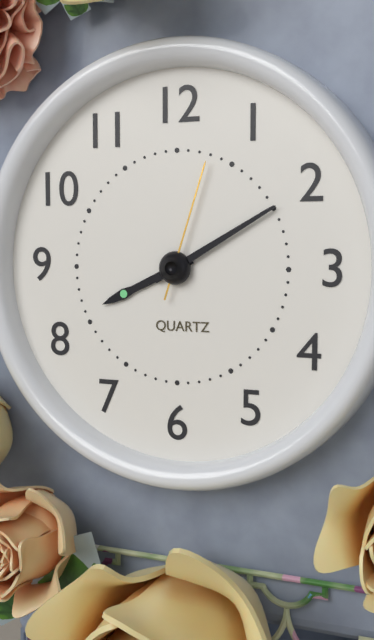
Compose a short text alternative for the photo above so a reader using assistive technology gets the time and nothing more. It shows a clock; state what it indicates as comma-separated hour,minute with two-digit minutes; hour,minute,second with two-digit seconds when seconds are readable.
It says 8,10,03
